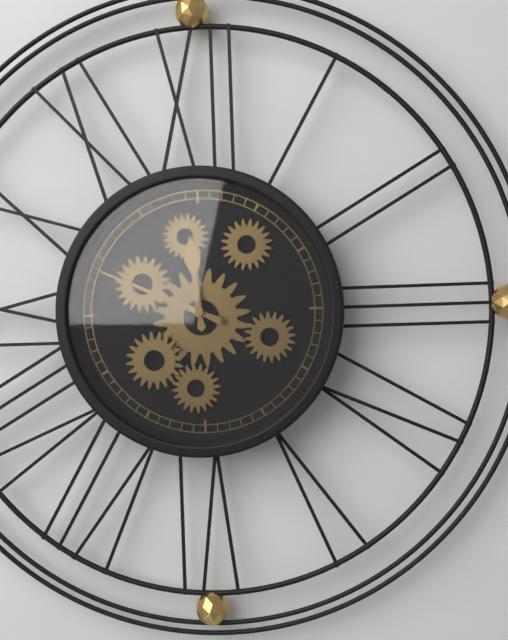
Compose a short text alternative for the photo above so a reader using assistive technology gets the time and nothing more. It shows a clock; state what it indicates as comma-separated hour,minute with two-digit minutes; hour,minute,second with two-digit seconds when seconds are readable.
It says 11,49
